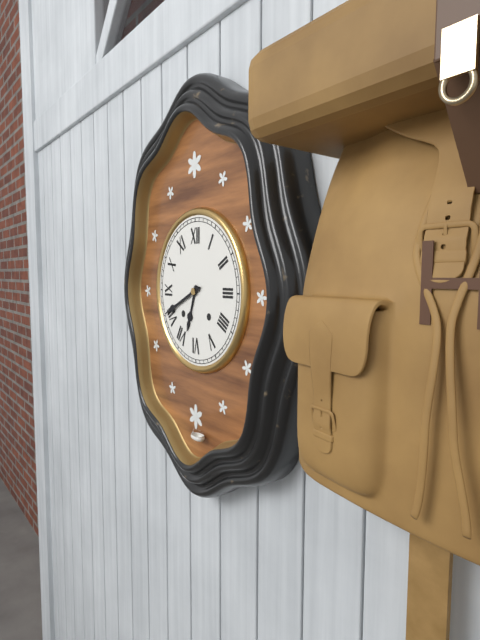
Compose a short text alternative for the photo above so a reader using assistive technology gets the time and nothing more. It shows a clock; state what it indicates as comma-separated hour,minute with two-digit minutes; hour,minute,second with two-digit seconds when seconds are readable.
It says 6,41
